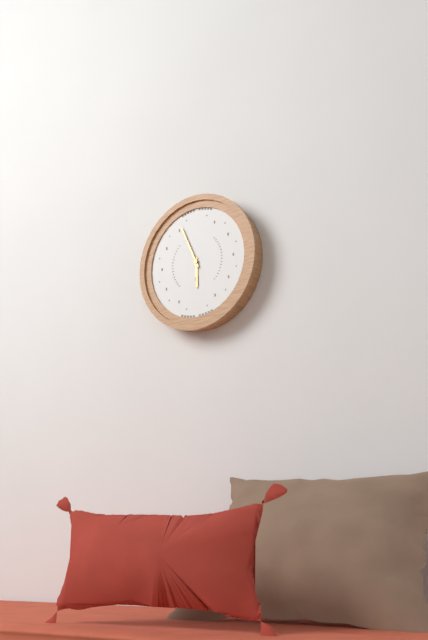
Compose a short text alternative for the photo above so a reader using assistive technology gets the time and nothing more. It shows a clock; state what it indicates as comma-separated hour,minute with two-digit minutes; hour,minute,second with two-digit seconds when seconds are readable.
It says 5,56
